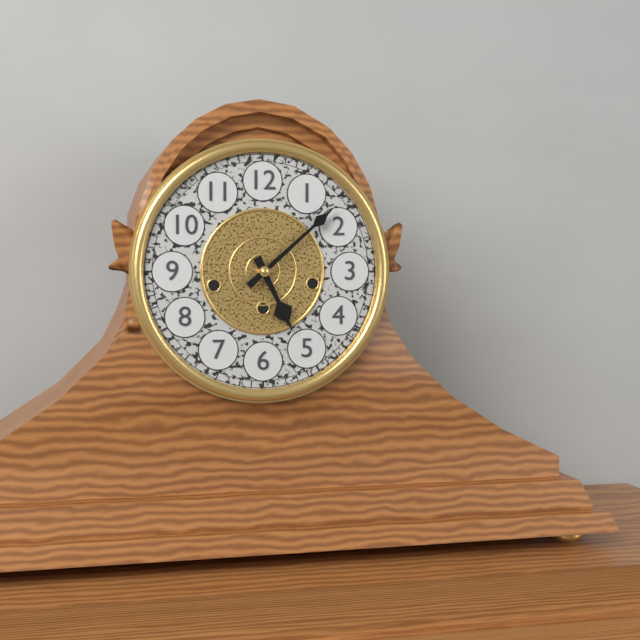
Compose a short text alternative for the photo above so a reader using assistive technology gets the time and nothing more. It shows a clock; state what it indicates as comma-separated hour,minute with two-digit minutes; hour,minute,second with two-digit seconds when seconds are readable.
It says 5,08
